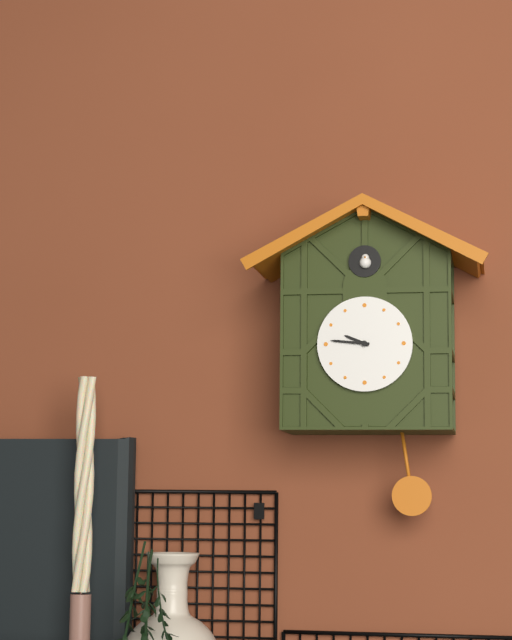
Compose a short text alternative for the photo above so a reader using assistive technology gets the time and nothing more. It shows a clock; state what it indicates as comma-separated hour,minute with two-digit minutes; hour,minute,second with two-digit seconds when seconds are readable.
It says 9,46
